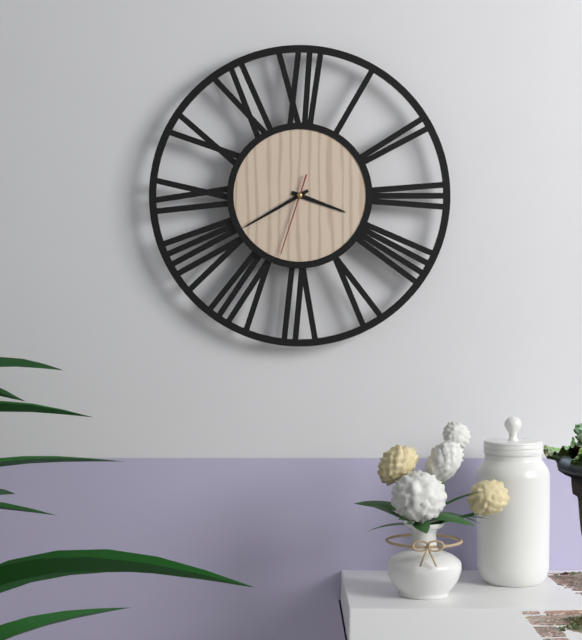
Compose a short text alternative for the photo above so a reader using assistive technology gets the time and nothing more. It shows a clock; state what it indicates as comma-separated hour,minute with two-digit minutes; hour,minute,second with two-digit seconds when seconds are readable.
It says 3,40,33
